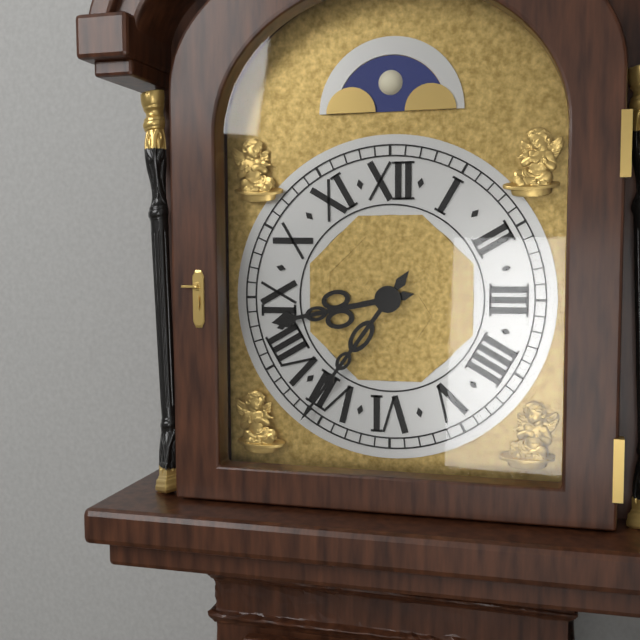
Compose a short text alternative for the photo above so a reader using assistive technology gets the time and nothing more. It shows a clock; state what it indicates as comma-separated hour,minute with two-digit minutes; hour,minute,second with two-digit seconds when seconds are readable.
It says 8,36
